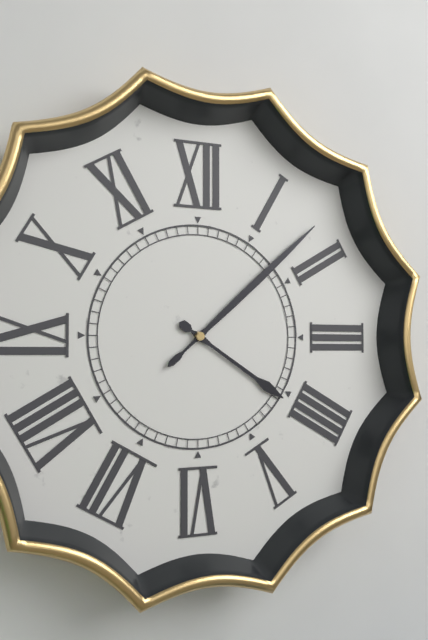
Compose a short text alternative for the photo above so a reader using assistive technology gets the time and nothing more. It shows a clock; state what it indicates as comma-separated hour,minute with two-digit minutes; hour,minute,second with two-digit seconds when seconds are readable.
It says 4,08
